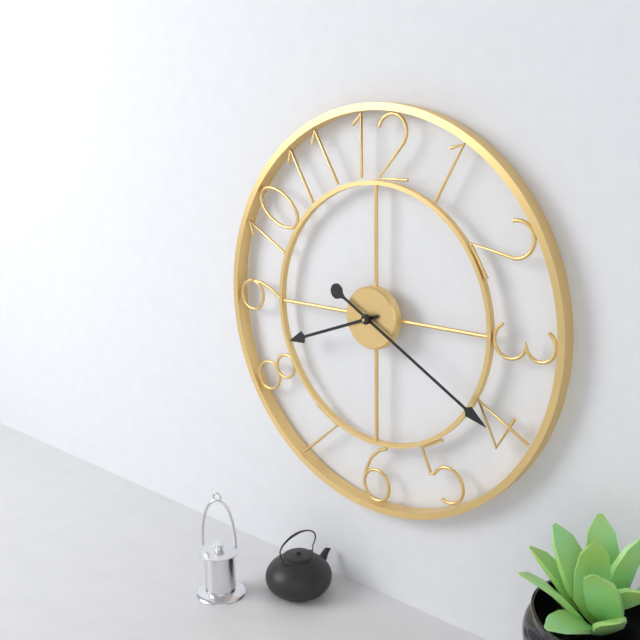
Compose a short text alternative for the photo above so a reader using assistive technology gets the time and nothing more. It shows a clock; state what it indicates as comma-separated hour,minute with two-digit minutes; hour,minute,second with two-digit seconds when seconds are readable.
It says 8,20
